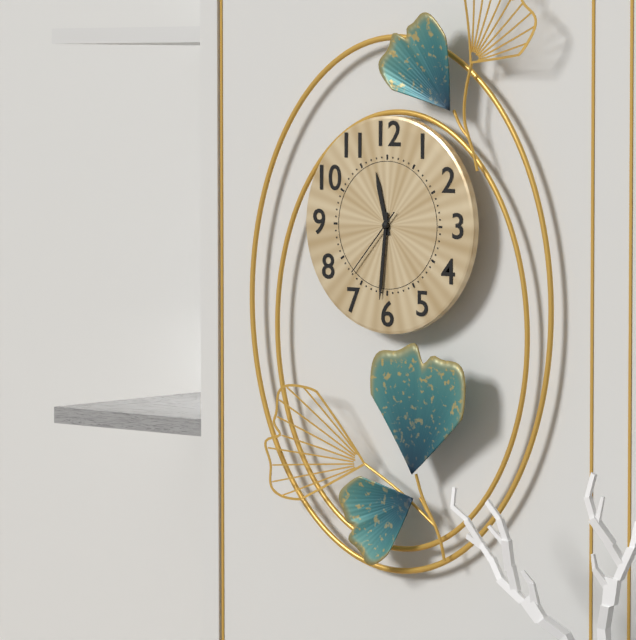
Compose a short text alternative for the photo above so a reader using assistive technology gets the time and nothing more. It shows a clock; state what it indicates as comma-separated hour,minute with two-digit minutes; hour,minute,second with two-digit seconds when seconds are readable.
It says 11,31,37
